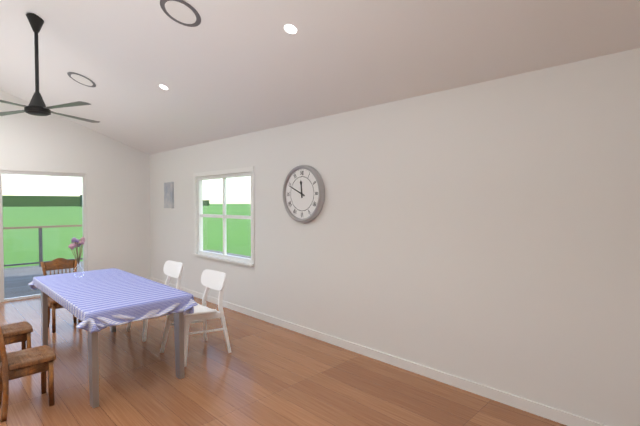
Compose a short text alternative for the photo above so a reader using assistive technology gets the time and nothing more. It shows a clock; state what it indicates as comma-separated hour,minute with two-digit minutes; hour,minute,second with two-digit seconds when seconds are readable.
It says 11,49
